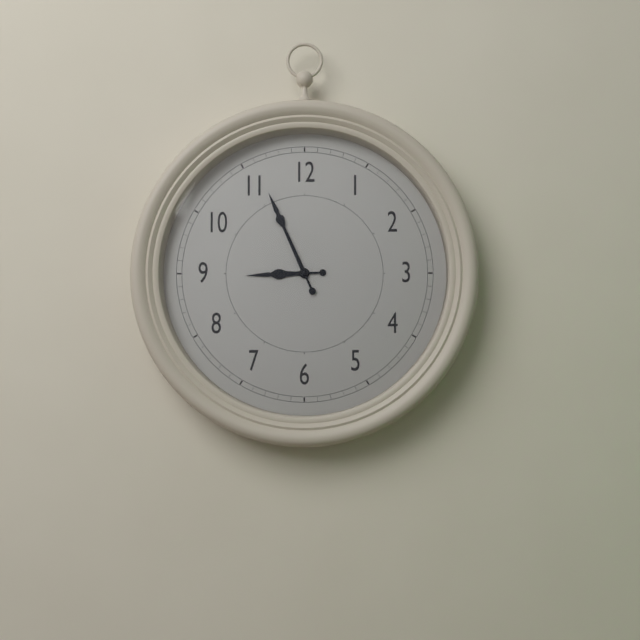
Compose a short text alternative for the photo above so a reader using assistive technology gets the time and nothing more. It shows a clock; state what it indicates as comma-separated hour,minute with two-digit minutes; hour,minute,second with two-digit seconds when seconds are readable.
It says 8,56
